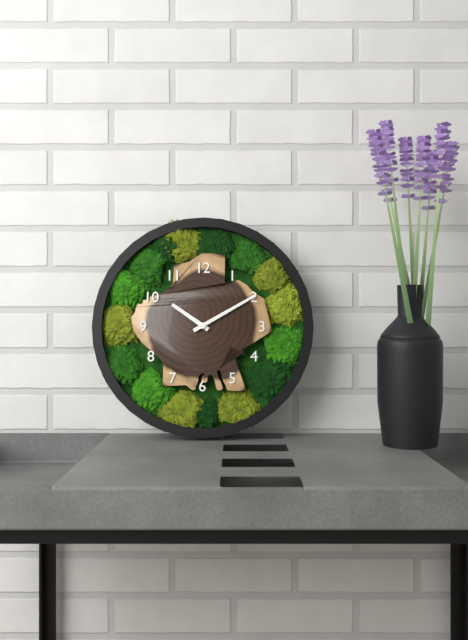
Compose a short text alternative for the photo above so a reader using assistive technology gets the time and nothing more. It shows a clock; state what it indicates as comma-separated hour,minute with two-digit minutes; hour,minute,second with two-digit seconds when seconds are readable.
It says 10,10
